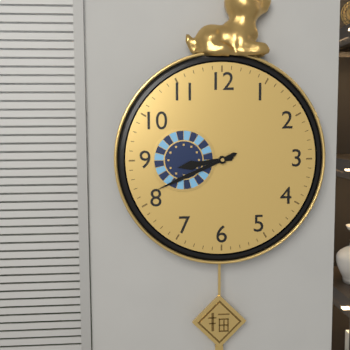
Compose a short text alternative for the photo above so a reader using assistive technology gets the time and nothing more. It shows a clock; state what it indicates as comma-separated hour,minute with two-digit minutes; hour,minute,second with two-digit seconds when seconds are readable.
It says 8,41
